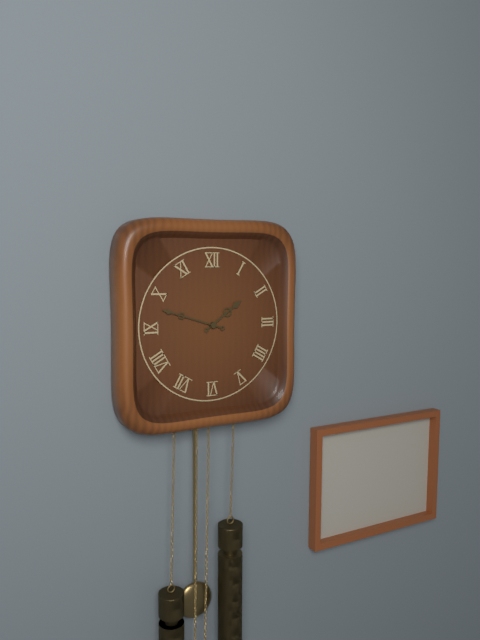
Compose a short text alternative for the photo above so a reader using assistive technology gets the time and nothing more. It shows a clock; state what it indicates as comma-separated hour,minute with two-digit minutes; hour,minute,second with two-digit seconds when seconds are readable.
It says 1,48
